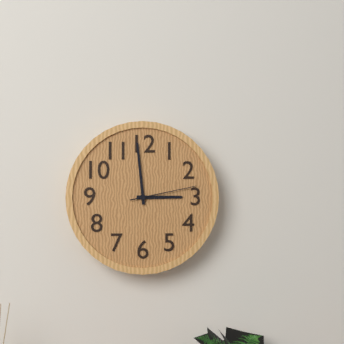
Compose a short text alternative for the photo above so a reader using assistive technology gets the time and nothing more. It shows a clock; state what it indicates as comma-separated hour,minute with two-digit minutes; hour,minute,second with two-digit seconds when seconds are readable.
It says 2,59,13
